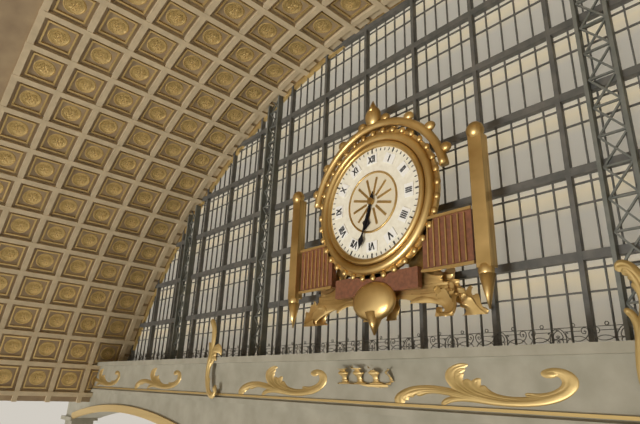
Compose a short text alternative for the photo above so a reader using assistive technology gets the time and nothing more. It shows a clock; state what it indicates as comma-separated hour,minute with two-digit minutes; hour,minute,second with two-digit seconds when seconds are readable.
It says 6,33
